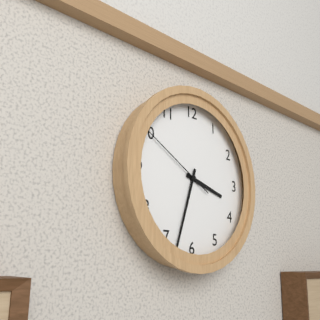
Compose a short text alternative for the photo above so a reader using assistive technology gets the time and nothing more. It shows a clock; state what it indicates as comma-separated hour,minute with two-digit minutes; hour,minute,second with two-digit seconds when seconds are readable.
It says 3,33,50
